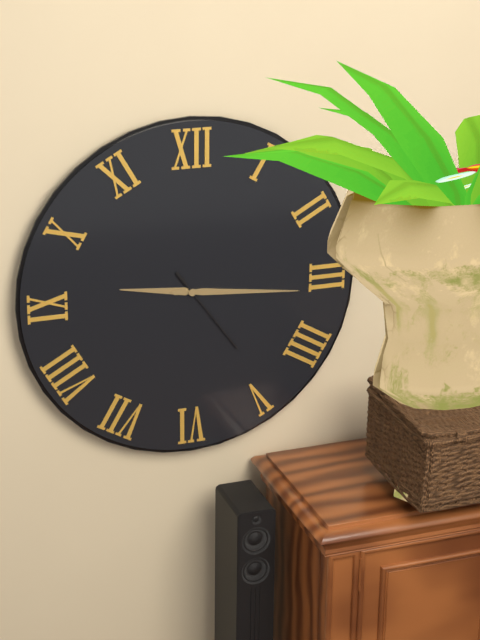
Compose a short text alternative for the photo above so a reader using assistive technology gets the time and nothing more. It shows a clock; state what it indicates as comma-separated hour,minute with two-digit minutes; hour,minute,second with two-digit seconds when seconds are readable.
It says 9,16,24
